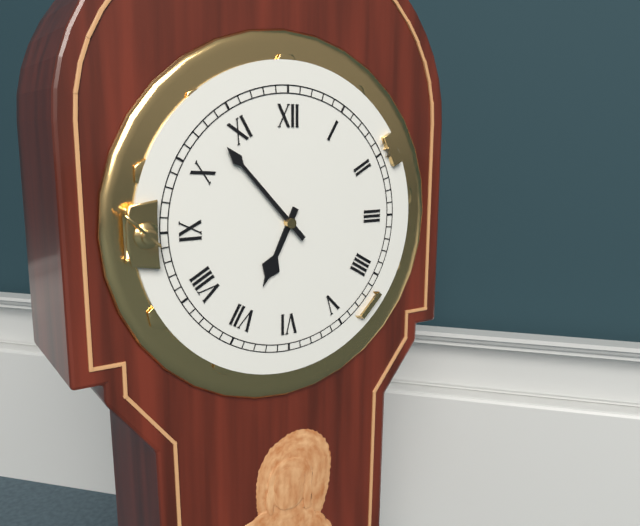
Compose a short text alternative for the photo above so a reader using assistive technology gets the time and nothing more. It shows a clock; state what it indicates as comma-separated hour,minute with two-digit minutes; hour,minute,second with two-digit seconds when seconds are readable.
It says 6,53
